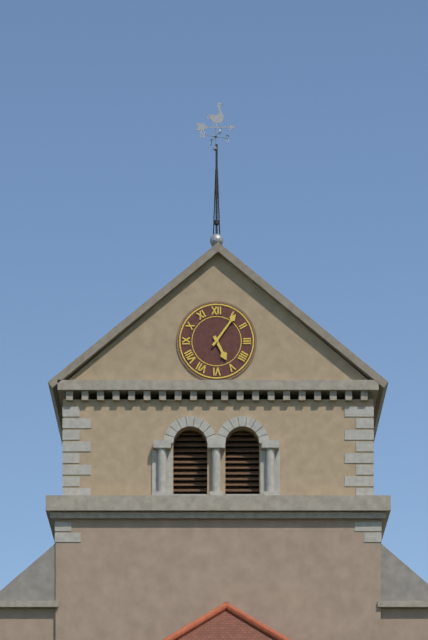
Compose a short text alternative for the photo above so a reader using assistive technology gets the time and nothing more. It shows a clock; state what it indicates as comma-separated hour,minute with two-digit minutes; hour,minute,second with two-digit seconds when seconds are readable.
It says 5,06
